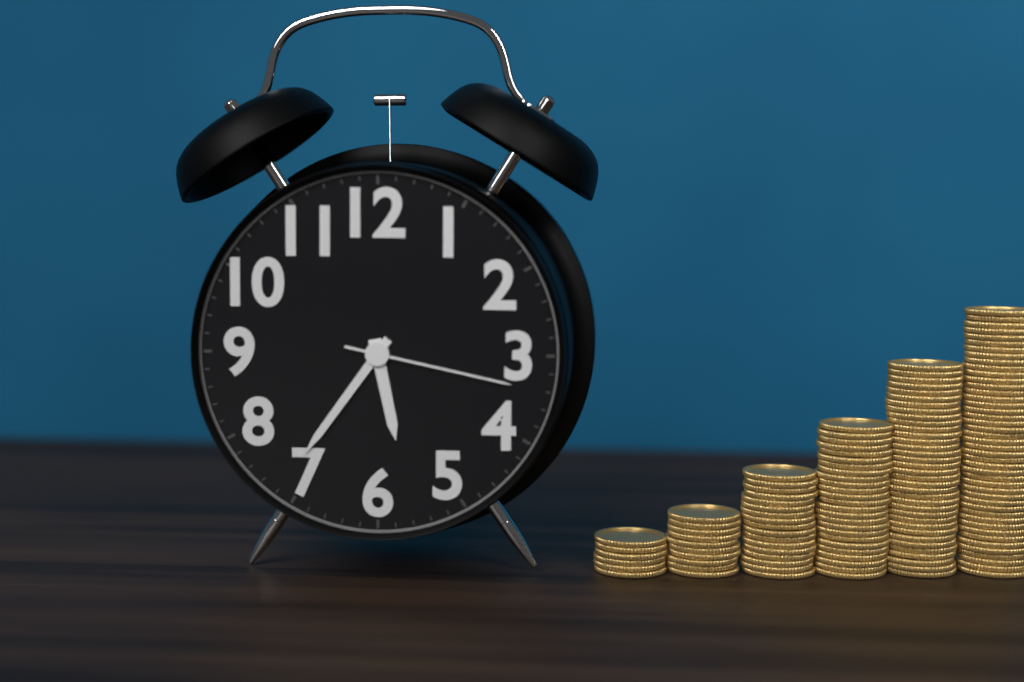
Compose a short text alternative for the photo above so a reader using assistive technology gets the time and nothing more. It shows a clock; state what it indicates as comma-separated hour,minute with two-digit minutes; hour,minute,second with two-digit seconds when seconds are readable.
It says 5,36,17
